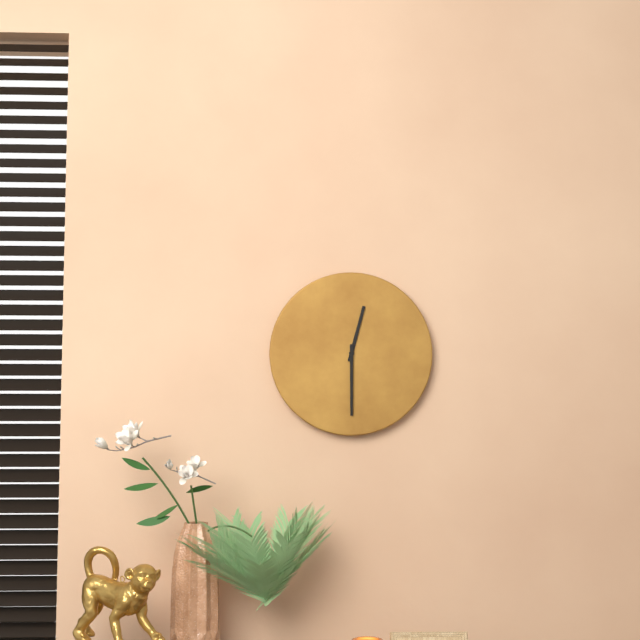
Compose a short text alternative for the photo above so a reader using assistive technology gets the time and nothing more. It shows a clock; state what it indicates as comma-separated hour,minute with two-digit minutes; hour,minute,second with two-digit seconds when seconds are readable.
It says 12,30
